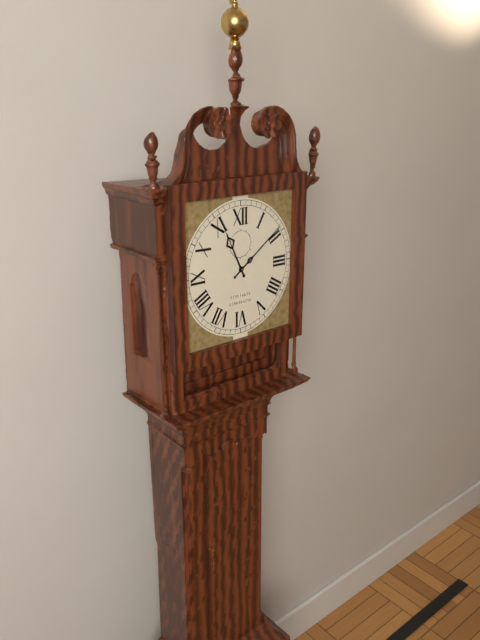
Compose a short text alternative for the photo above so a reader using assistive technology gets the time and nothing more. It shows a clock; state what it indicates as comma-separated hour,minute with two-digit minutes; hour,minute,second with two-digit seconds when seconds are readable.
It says 11,09
